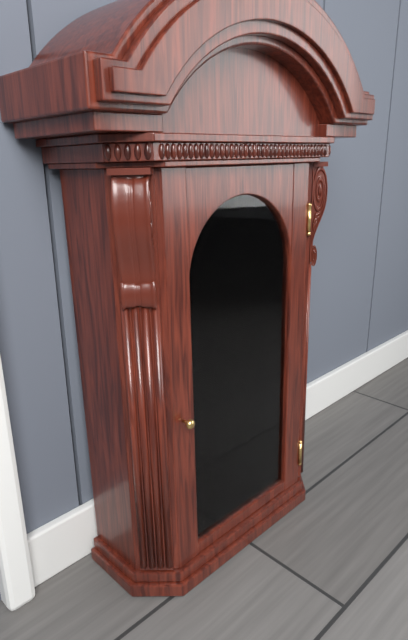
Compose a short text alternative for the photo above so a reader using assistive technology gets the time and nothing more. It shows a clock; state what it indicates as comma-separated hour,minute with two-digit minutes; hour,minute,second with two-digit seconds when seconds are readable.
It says 10,21
